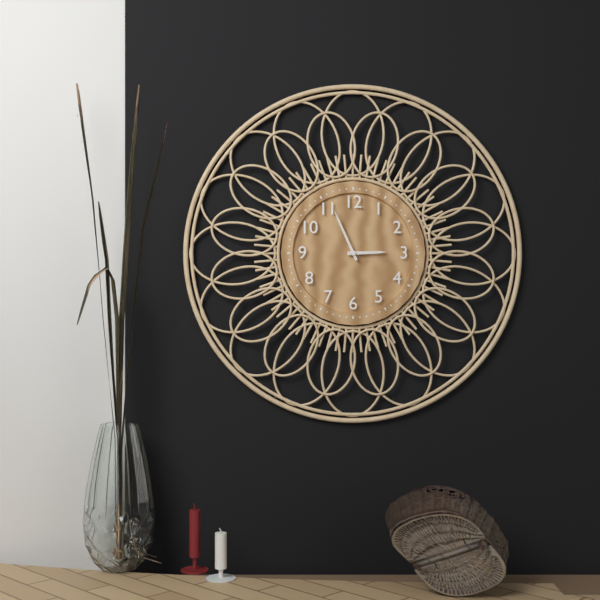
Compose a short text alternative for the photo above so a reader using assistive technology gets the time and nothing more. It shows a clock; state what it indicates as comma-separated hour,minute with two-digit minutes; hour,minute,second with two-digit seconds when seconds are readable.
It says 2,56
